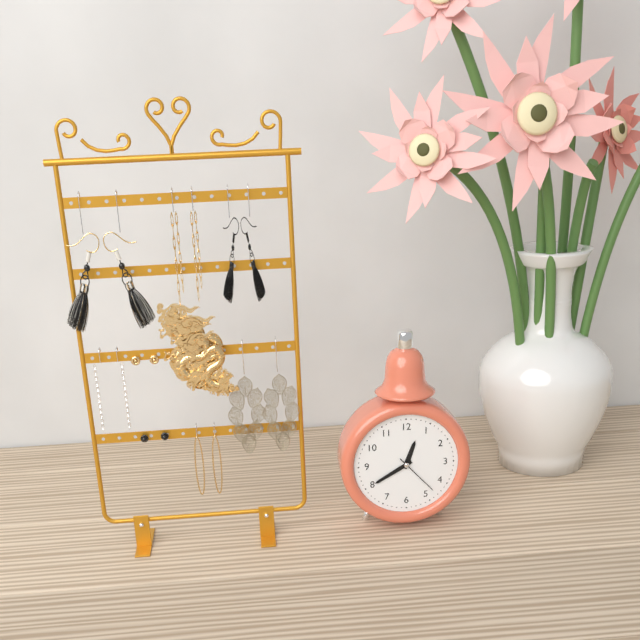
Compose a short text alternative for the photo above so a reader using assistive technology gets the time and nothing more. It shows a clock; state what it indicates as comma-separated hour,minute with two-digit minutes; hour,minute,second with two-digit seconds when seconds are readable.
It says 12,40
